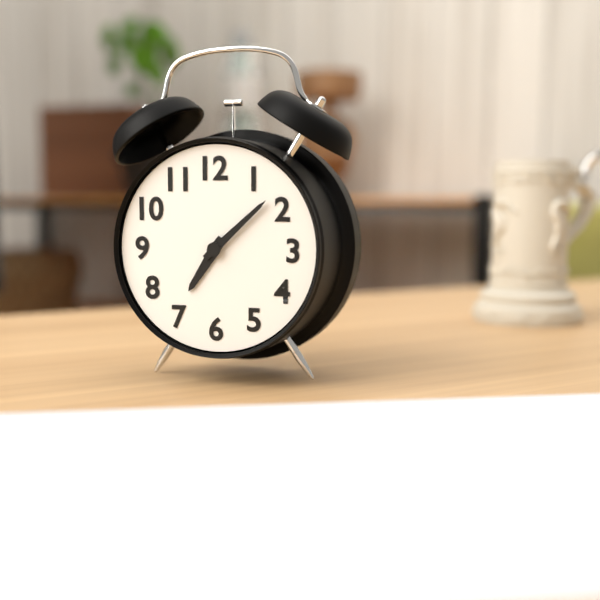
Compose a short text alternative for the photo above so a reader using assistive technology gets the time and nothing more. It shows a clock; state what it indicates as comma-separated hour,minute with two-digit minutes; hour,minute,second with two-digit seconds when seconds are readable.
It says 7,08
